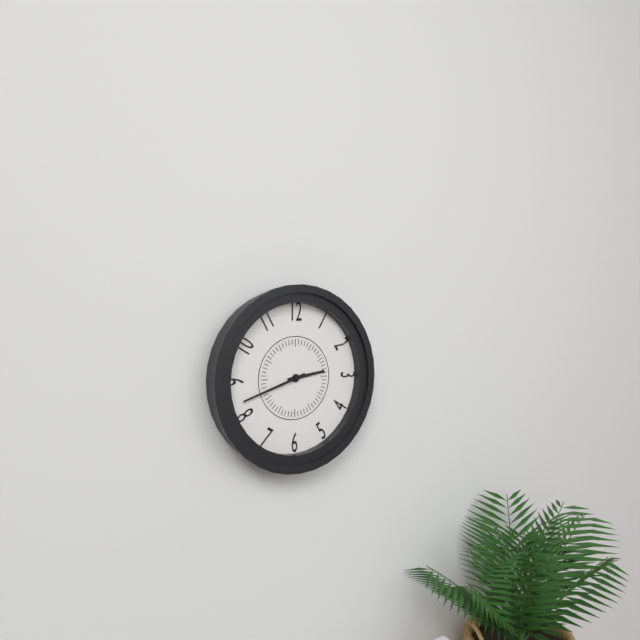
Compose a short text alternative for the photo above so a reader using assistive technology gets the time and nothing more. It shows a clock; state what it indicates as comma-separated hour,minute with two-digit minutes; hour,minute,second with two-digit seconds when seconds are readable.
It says 2,42
